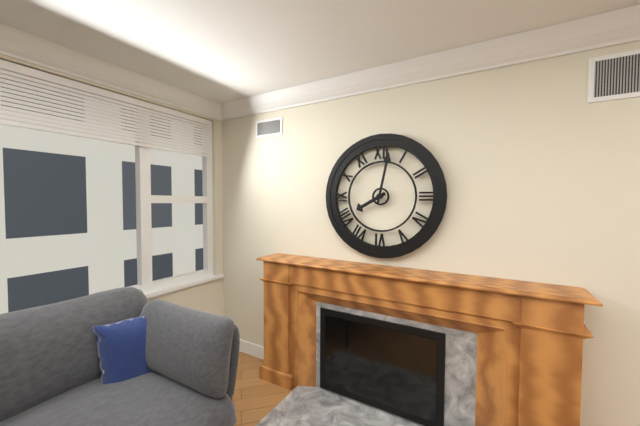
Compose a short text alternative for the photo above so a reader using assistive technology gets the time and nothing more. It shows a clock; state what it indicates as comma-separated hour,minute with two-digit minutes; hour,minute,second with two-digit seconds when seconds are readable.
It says 8,02
